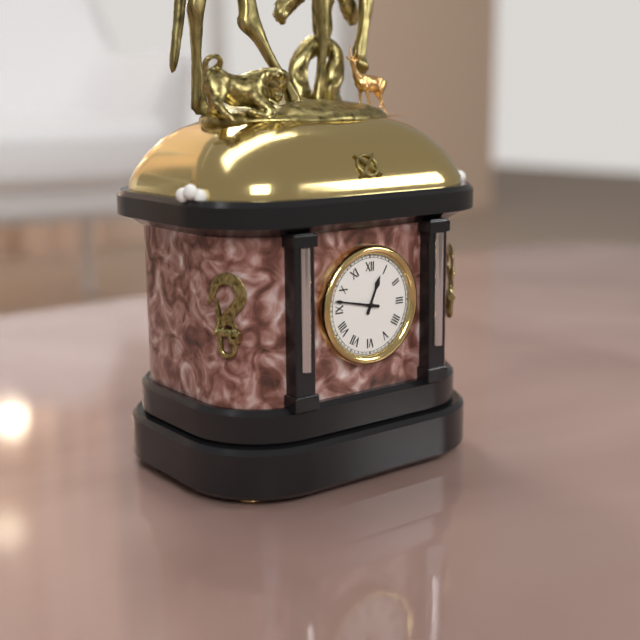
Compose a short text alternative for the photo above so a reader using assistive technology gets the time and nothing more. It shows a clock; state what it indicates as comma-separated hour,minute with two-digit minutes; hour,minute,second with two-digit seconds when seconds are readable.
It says 12,47
